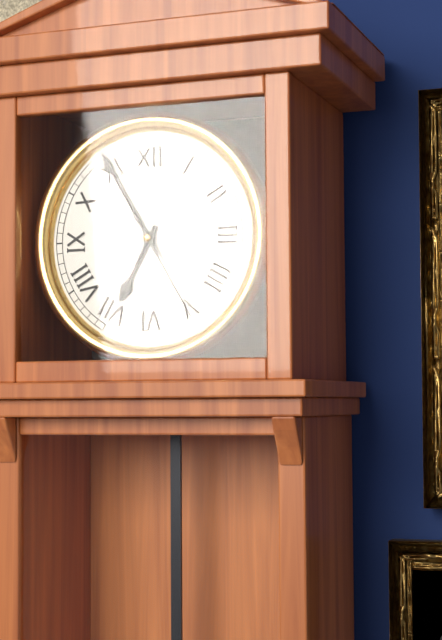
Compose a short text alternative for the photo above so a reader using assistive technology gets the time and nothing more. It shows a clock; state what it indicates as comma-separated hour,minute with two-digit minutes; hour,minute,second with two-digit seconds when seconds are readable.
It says 6,55,25
